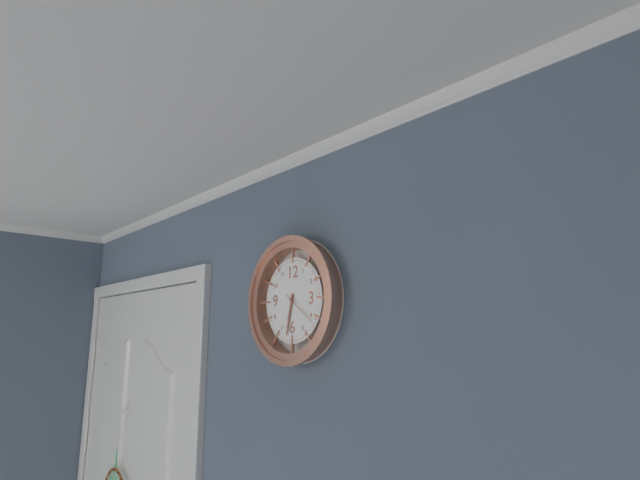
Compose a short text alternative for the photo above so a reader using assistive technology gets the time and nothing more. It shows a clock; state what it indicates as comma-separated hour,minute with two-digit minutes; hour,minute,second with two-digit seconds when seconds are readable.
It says 6,32
